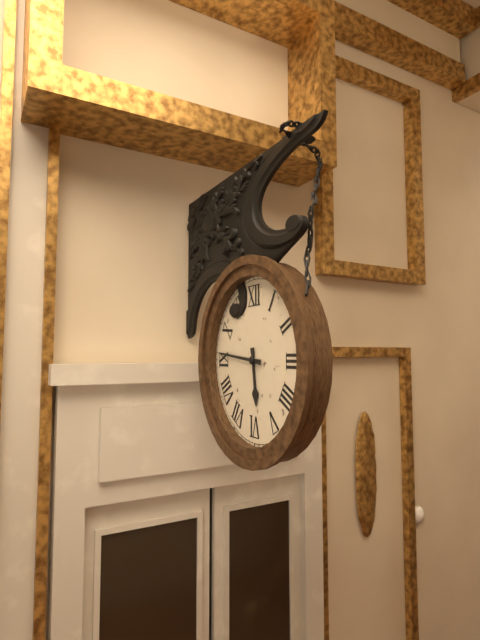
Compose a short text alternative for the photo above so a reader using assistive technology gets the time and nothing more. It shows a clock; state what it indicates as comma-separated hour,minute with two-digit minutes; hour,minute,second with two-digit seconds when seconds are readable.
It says 5,46
